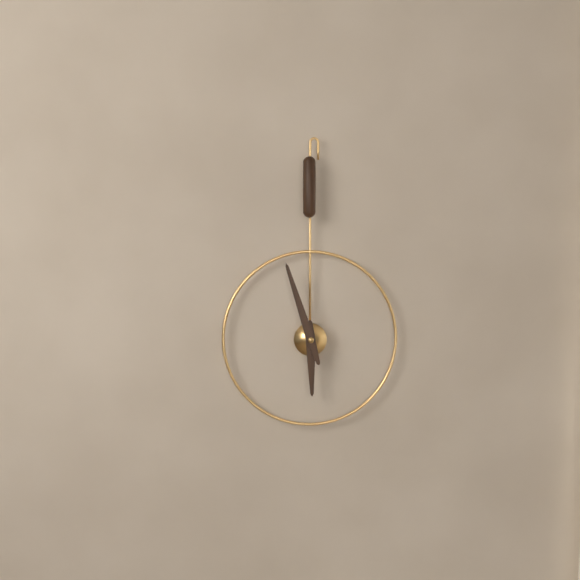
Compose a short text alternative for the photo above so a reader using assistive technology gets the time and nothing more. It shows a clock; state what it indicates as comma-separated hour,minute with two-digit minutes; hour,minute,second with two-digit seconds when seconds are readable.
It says 5,57
